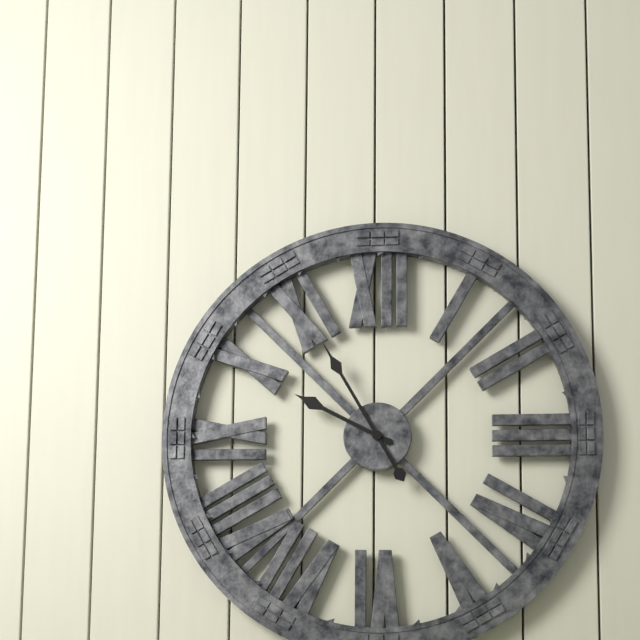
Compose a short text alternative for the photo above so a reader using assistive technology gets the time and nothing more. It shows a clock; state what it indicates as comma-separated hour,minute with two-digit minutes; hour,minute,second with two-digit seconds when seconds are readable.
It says 9,55
